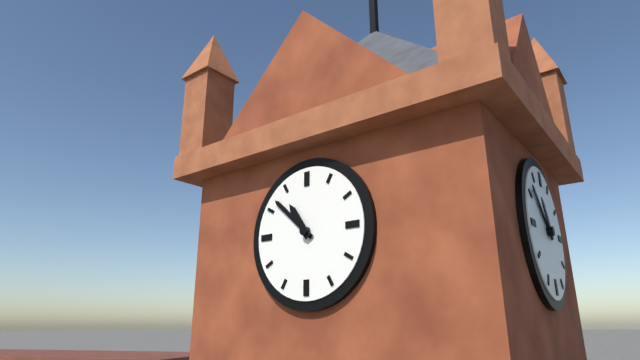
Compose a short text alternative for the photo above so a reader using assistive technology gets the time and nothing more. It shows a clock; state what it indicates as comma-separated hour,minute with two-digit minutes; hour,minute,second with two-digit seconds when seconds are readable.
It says 10,52
